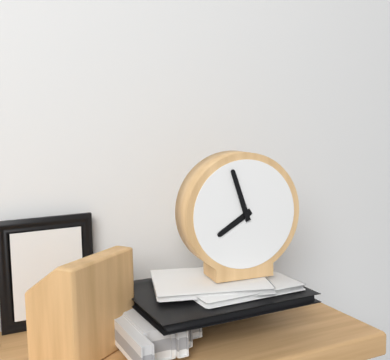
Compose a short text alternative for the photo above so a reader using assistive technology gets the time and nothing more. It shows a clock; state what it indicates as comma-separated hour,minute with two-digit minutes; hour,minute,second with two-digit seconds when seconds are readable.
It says 7,57
